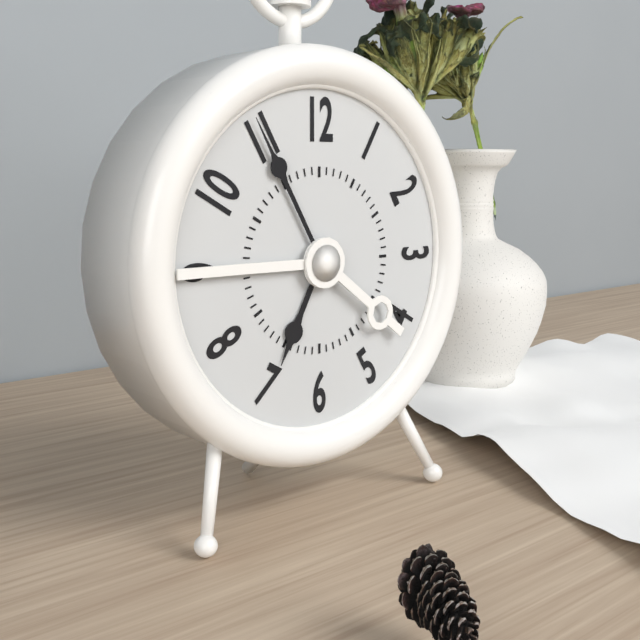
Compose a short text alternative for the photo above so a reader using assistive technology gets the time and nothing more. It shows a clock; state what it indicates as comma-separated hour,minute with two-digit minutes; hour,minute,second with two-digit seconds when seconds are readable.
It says 6,55
